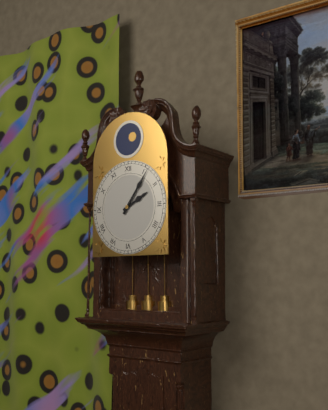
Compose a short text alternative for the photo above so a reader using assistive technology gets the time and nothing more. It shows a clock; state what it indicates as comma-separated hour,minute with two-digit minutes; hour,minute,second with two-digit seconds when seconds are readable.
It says 2,06
